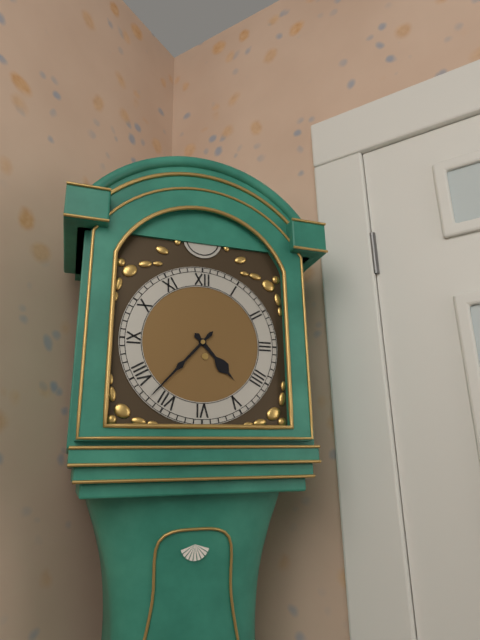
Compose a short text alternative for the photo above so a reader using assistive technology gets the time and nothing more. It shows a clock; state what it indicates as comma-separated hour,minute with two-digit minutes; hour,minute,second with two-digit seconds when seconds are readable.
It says 4,37
